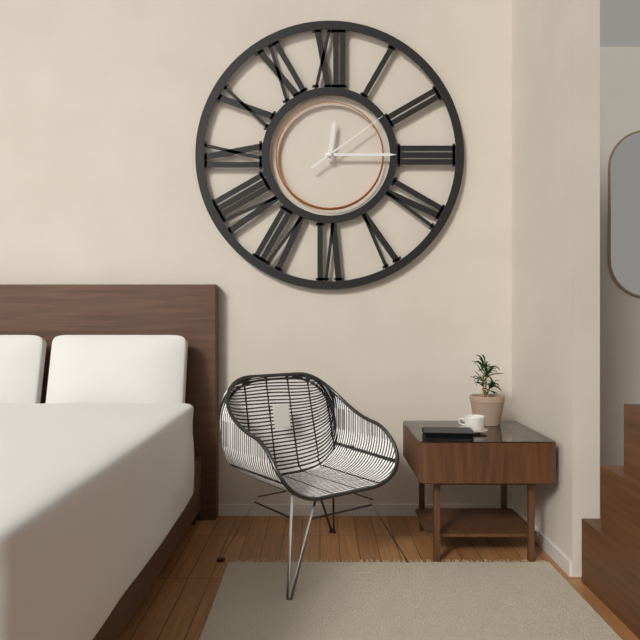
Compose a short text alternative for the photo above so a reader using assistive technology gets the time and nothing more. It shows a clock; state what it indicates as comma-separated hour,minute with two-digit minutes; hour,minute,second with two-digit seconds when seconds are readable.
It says 12,15,09
